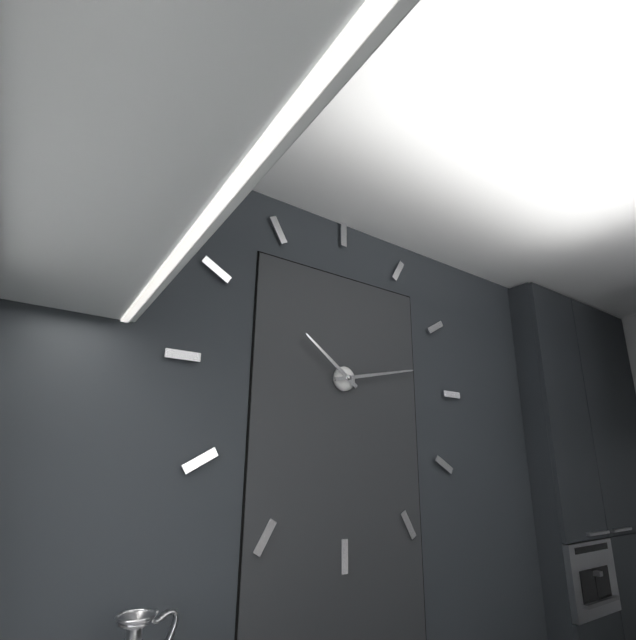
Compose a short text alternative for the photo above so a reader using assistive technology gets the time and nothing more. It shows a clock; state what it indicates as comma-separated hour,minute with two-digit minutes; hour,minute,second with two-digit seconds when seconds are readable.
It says 10,13
